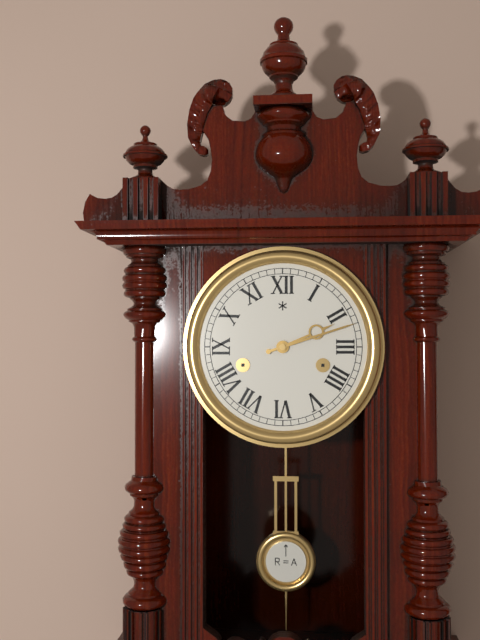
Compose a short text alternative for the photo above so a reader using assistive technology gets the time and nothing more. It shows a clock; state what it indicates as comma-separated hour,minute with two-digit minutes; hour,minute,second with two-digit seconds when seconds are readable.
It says 2,12
